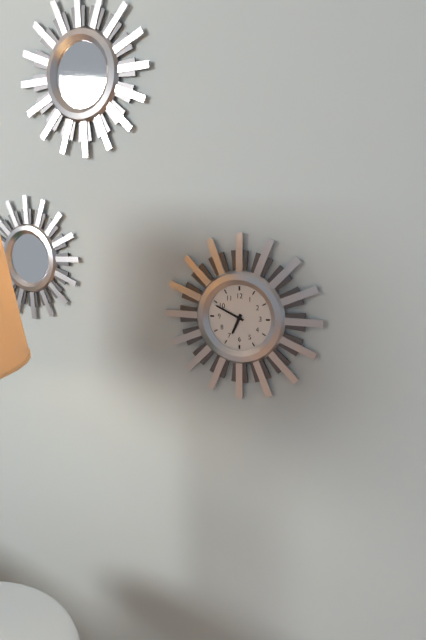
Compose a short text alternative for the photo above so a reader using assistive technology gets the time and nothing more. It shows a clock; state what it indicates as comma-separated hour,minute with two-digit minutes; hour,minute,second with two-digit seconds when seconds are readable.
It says 6,49
